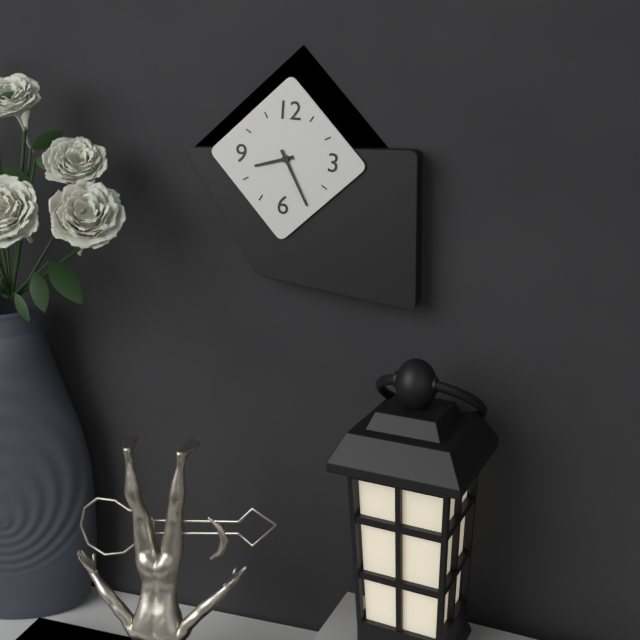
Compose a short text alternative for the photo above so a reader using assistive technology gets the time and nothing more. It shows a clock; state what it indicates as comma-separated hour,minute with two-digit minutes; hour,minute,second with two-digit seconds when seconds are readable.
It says 8,25
